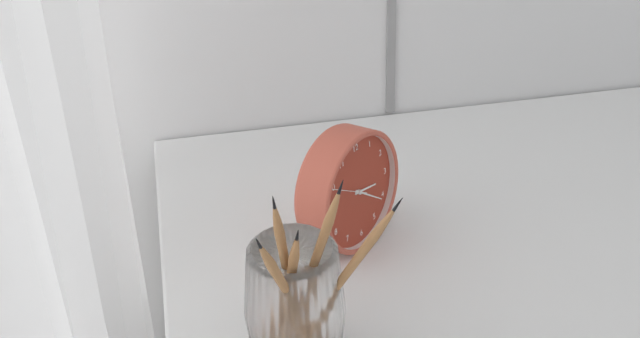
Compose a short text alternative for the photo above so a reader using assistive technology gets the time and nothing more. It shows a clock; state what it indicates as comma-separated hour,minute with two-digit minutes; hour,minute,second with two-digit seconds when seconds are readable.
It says 3,21
